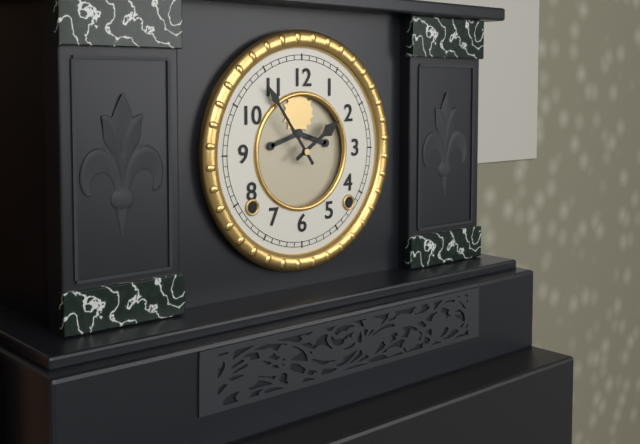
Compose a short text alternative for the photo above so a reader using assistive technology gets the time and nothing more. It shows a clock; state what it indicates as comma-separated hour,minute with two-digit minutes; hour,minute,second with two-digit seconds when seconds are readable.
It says 1,54
